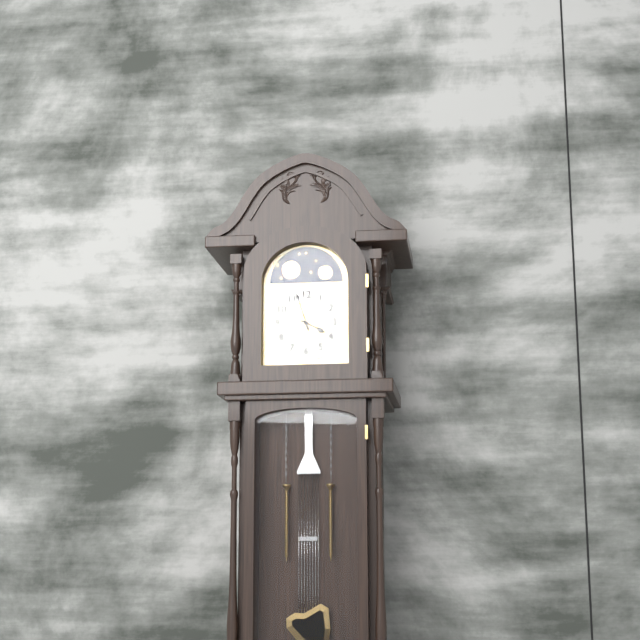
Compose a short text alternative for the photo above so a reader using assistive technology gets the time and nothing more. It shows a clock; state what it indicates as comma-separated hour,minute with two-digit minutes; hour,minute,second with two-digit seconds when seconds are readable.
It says 3,57
